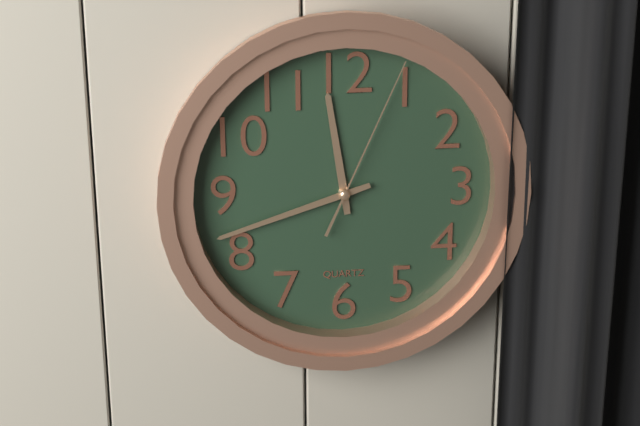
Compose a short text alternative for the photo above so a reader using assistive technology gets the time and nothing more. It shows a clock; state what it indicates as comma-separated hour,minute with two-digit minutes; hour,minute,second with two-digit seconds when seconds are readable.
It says 11,42,04
